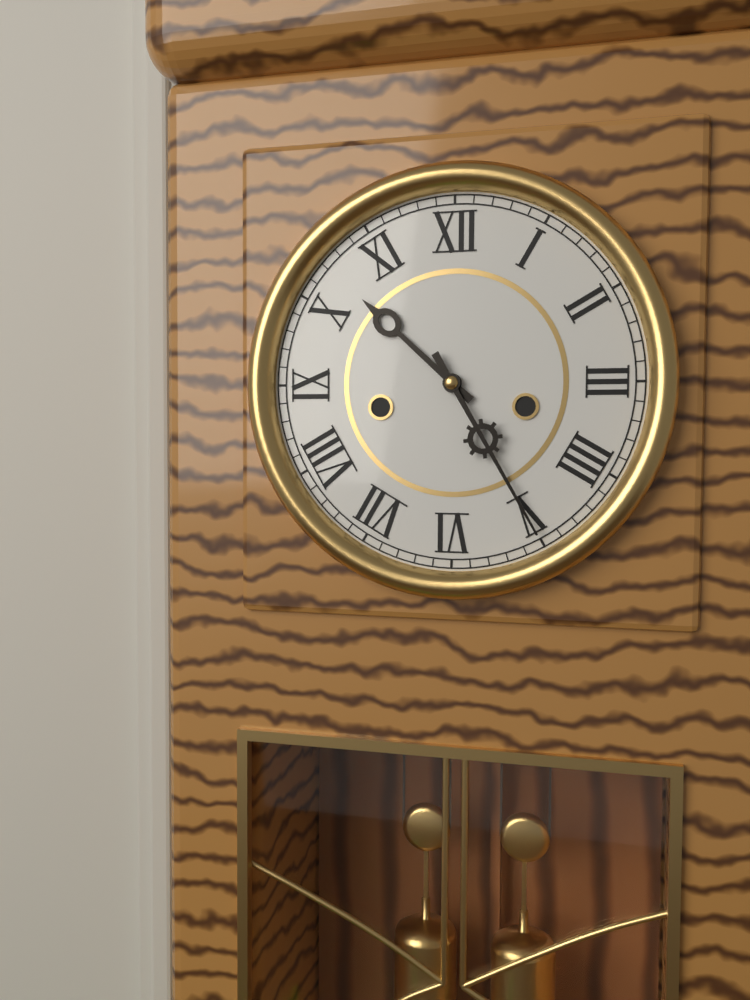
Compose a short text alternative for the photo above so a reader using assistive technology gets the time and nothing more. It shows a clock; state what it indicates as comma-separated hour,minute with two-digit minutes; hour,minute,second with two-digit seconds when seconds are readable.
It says 10,25
